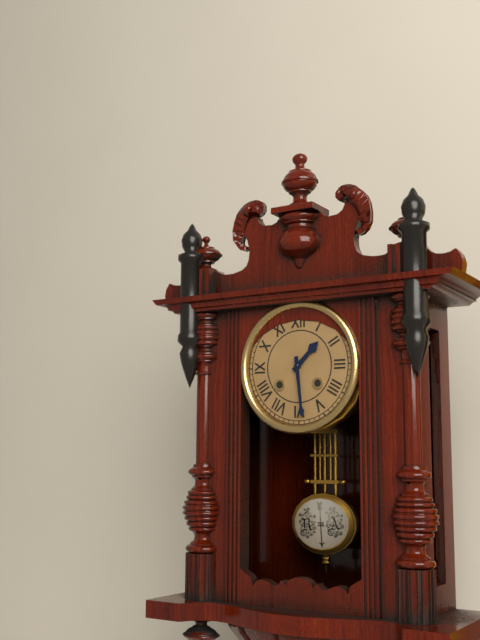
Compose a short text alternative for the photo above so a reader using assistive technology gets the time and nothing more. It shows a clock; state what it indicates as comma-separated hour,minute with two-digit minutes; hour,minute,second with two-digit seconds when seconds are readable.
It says 1,29
